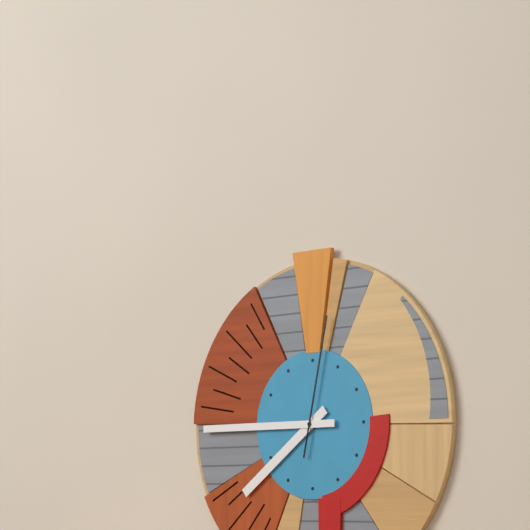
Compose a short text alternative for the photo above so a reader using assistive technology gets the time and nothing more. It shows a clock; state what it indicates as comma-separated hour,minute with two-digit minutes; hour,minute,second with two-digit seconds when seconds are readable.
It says 7,45,02
